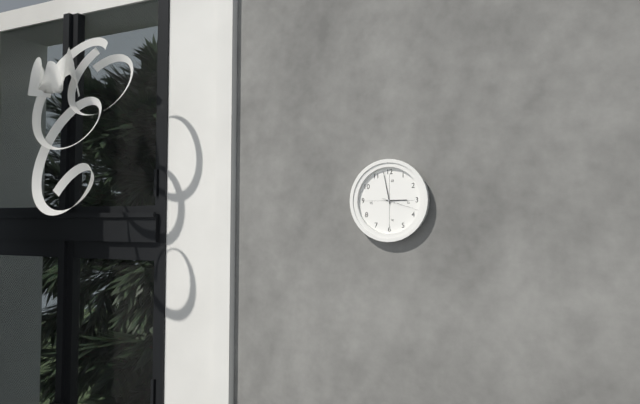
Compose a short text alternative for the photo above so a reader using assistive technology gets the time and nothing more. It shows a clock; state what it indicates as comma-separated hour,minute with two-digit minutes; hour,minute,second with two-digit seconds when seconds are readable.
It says 2,58
